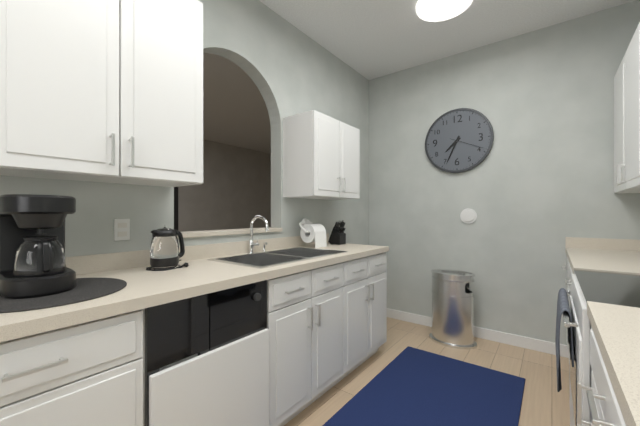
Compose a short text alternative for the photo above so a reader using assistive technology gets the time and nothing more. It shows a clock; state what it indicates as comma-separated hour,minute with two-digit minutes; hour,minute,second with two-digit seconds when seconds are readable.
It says 7,34
